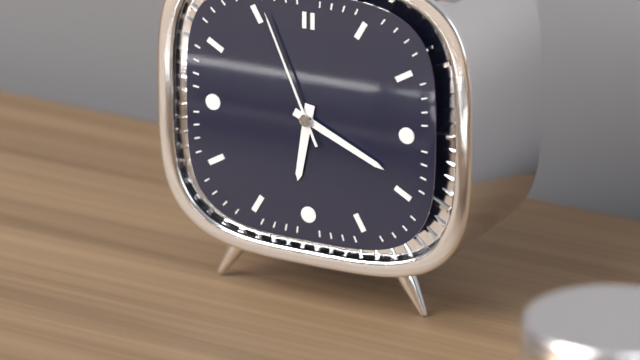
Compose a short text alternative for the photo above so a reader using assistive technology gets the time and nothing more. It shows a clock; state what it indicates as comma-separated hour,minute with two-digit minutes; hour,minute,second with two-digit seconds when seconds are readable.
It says 6,19,56
